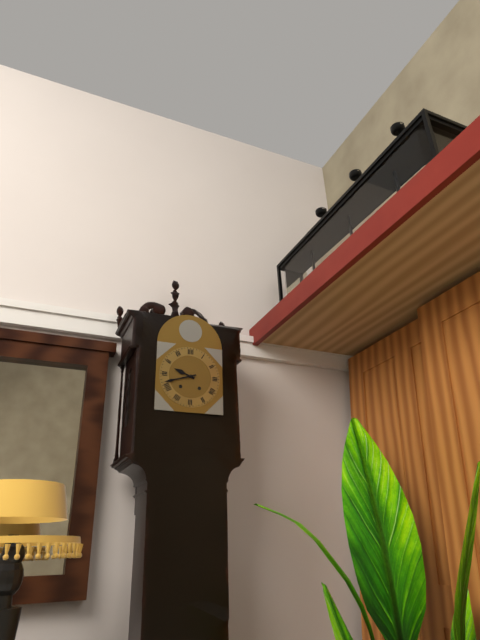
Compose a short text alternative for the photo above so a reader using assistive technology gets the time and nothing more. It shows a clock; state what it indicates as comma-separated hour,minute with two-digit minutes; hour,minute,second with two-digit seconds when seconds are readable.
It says 9,42
